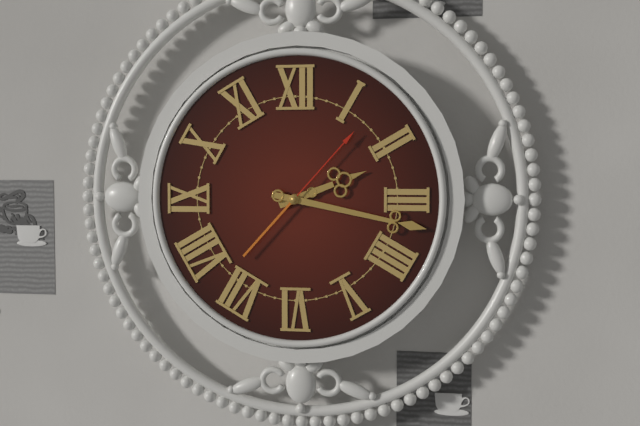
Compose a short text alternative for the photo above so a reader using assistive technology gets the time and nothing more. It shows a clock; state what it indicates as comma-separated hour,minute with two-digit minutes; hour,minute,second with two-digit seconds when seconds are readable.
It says 2,17,07
